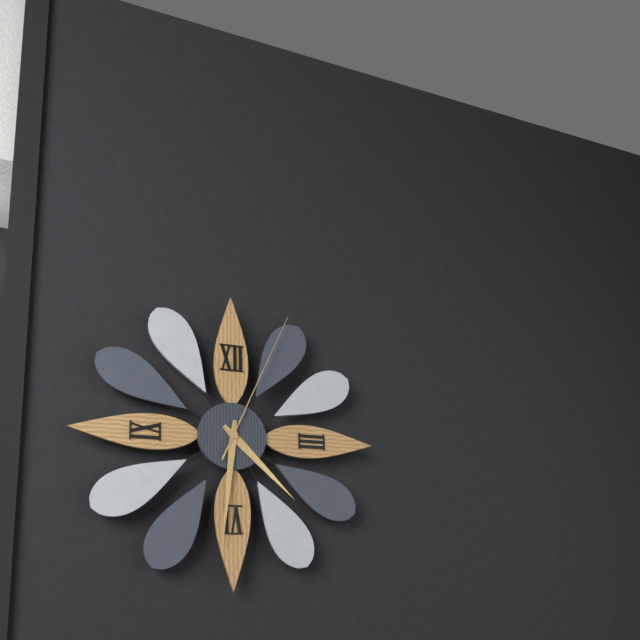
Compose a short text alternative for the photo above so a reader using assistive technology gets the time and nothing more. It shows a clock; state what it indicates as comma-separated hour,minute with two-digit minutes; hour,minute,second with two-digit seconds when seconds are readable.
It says 4,31,04
